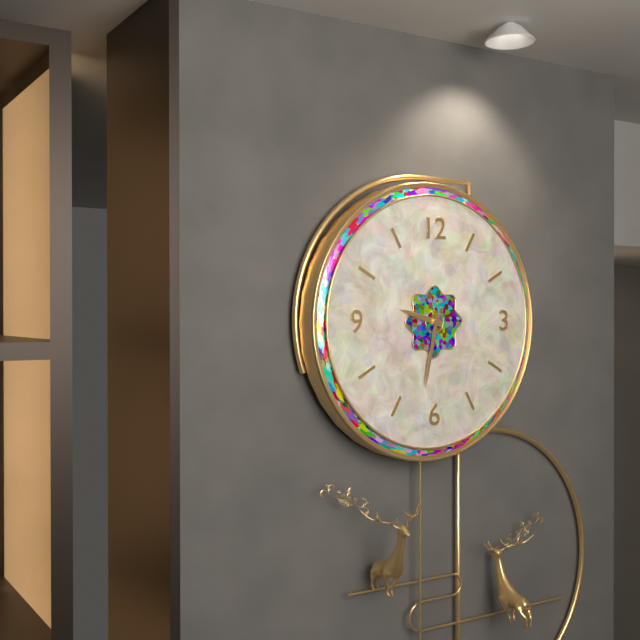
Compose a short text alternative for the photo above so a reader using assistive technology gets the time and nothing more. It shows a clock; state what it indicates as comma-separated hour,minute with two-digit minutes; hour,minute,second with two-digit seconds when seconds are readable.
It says 9,32
